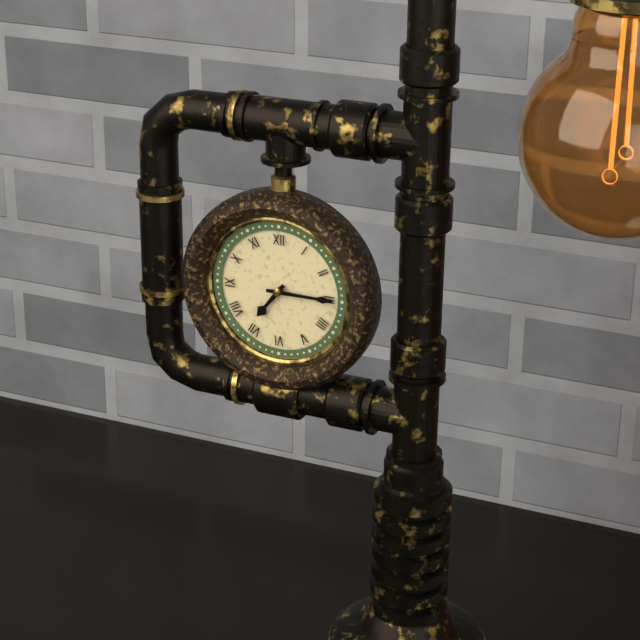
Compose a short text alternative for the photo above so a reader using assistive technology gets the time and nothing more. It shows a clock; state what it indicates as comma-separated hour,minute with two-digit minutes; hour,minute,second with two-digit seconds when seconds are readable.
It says 7,15
